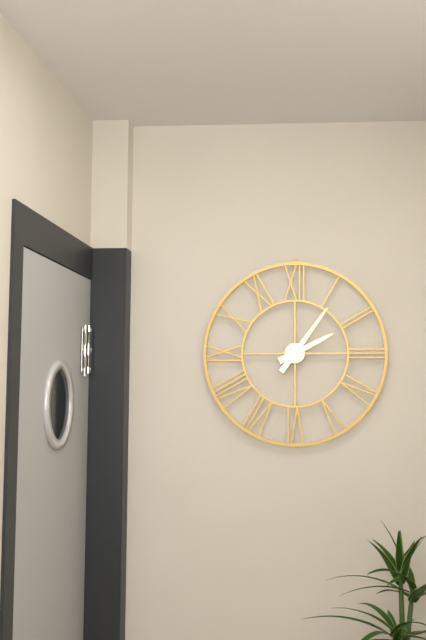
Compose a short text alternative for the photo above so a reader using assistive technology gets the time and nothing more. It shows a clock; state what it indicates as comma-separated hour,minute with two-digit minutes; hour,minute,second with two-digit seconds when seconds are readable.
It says 2,06
